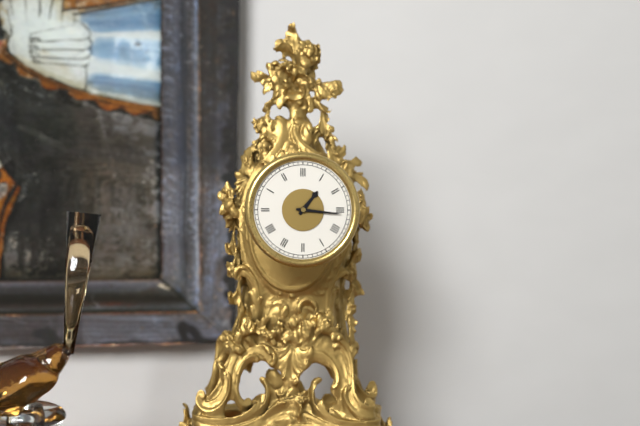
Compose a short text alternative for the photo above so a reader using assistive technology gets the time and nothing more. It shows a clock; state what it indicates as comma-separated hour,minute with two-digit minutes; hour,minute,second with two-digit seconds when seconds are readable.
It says 1,16
